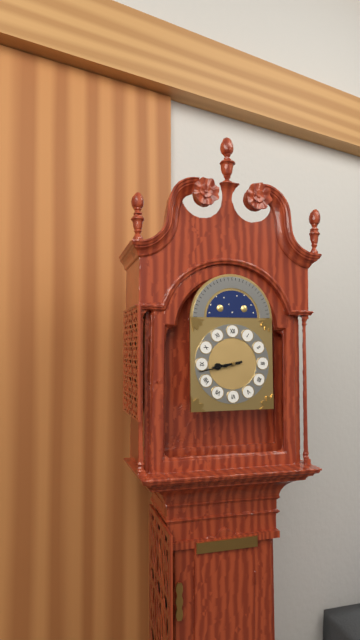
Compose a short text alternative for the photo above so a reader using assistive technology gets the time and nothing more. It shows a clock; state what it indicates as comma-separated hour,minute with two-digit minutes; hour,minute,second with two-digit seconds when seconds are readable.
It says 8,43
